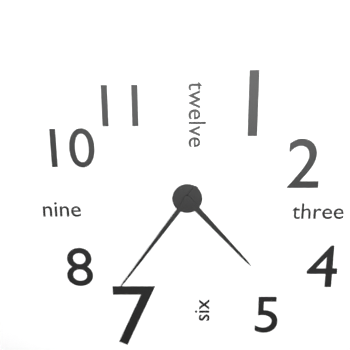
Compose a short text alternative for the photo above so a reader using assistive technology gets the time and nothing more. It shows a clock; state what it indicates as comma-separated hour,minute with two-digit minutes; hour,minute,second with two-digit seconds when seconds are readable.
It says 4,36
